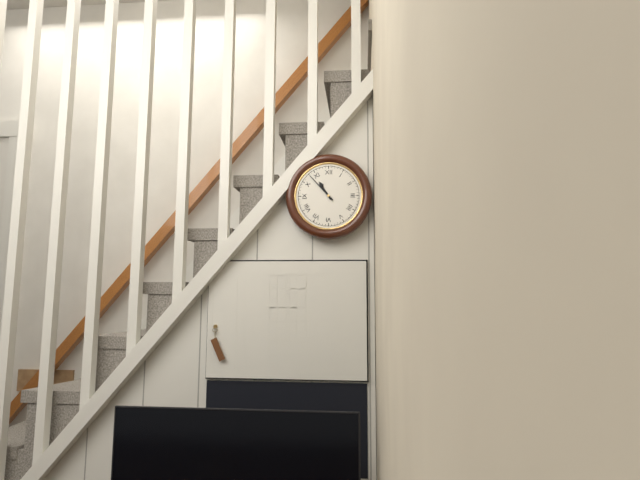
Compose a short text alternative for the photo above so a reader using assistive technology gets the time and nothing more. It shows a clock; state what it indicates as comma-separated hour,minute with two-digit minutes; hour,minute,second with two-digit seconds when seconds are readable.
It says 10,53
